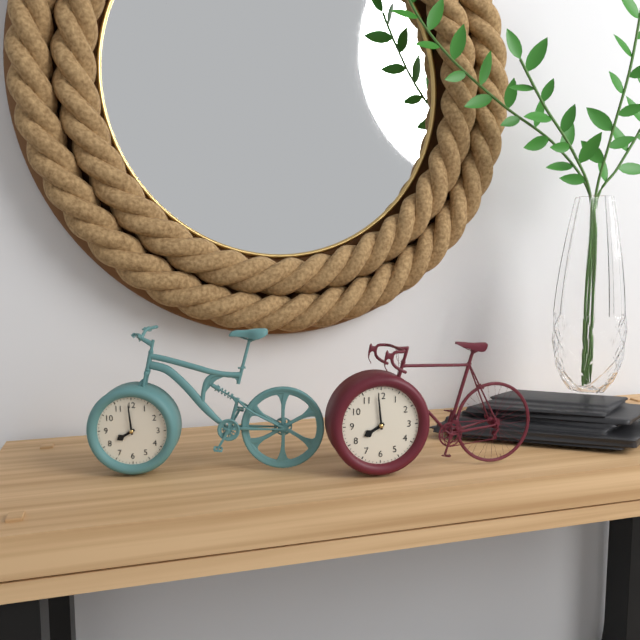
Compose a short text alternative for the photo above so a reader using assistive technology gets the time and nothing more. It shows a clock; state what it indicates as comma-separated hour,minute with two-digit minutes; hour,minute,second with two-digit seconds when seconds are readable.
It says 7,59
